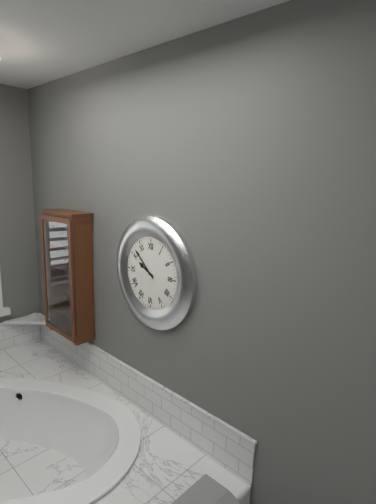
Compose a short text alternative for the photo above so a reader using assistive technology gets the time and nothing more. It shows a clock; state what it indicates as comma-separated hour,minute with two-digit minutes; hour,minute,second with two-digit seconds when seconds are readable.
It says 9,52
